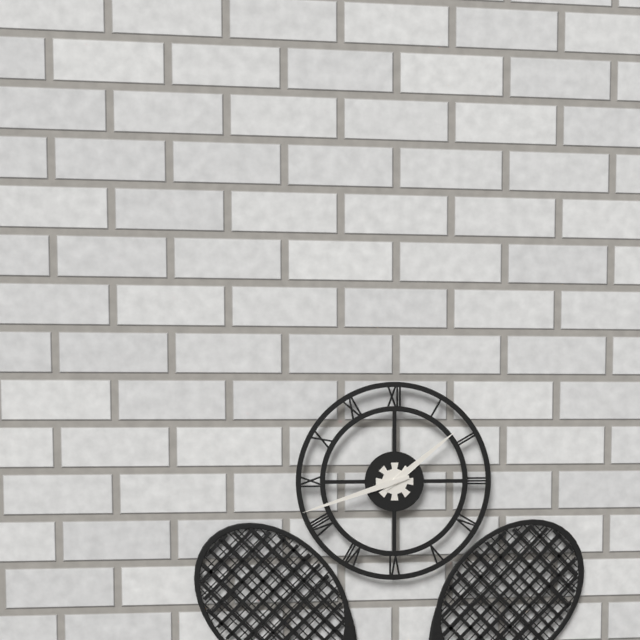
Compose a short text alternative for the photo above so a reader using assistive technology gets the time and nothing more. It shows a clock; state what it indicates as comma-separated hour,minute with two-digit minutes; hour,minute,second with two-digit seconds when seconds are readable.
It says 1,42
